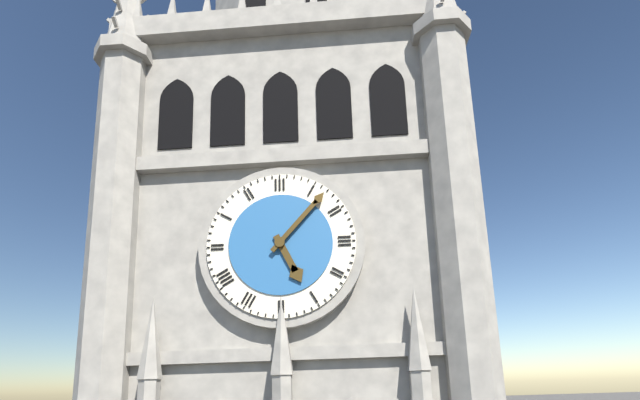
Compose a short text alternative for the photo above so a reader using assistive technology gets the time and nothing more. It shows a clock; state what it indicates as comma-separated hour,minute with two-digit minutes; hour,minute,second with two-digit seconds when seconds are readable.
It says 5,07
